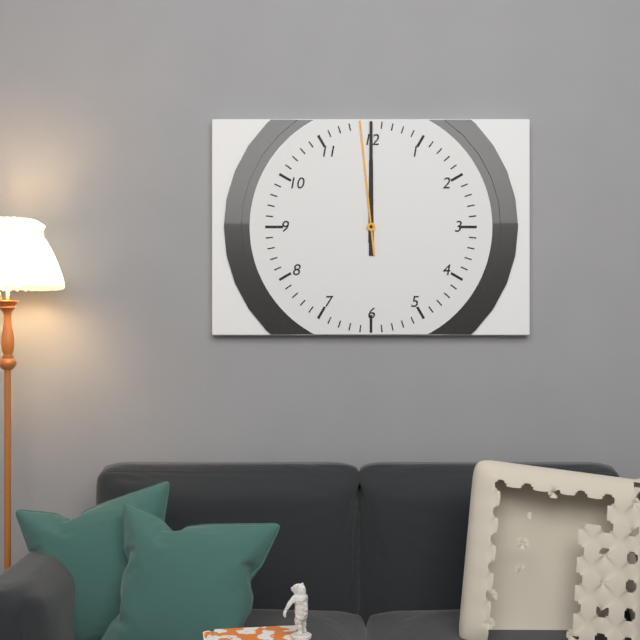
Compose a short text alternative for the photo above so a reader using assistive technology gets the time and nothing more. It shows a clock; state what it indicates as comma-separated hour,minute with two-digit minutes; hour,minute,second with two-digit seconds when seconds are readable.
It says 12,00,59
